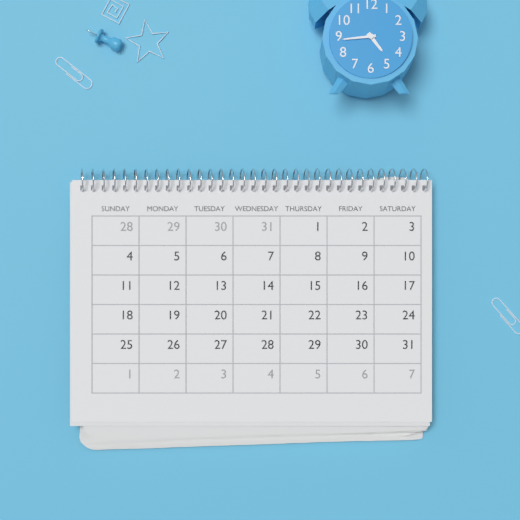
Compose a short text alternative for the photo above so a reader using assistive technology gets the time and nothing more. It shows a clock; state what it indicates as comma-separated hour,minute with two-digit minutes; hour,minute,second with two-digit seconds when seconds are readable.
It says 4,44
